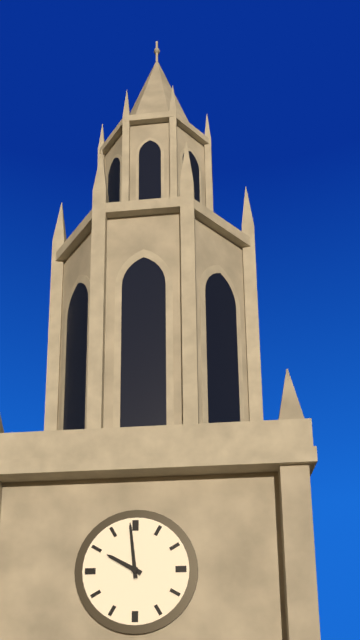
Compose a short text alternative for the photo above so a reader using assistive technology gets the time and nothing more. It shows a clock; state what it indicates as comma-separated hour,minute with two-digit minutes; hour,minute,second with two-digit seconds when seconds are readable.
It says 9,59
